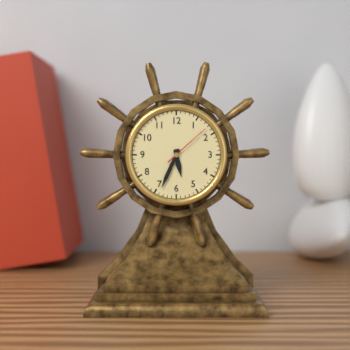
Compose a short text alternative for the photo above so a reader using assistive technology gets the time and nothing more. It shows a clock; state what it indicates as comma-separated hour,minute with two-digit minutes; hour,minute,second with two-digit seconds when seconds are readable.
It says 5,34
